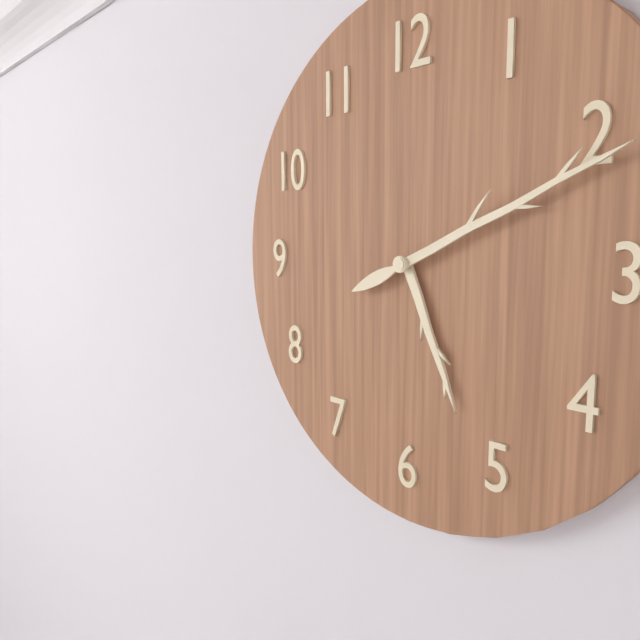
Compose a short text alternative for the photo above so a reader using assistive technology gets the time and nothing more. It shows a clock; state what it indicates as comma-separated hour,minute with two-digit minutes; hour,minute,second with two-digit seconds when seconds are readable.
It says 5,11
